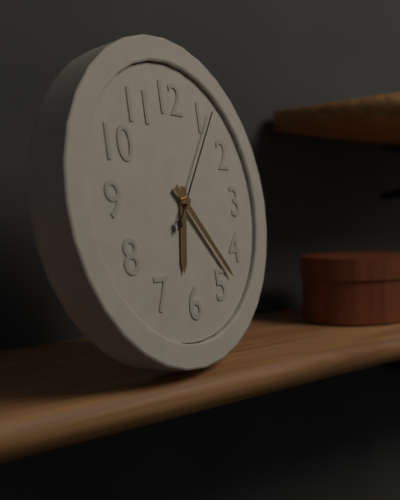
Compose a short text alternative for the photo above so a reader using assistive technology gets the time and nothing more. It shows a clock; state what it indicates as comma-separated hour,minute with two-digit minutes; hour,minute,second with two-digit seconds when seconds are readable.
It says 6,23,06
